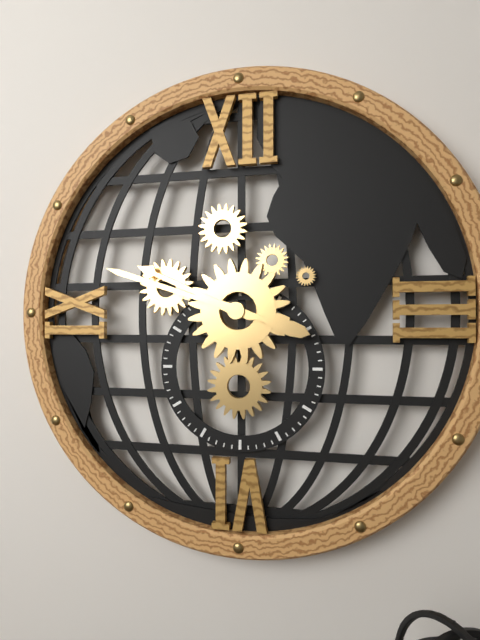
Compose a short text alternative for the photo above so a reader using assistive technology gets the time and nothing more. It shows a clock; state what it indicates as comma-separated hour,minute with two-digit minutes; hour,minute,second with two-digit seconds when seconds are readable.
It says 9,48
